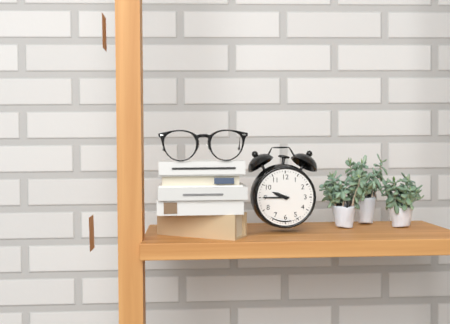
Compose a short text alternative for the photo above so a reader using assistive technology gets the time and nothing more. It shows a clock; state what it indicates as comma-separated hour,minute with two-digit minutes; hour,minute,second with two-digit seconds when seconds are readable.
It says 9,45
